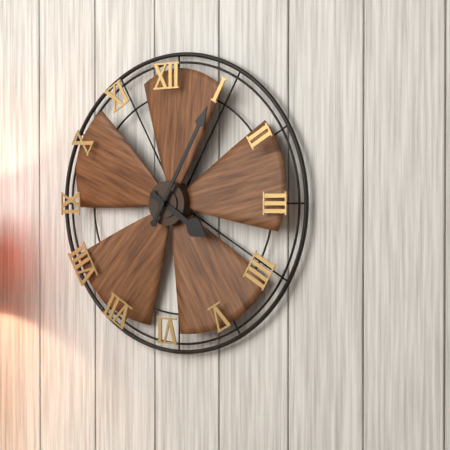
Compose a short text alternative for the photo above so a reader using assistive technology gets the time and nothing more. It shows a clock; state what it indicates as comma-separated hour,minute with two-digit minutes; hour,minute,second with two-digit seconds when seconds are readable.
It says 4,05
